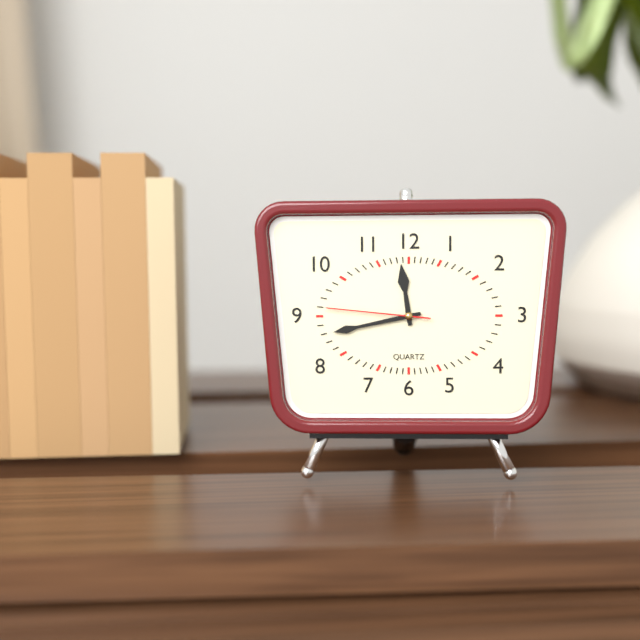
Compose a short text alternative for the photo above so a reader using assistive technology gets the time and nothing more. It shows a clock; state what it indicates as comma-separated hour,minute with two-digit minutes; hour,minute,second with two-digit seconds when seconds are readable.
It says 11,43,46
